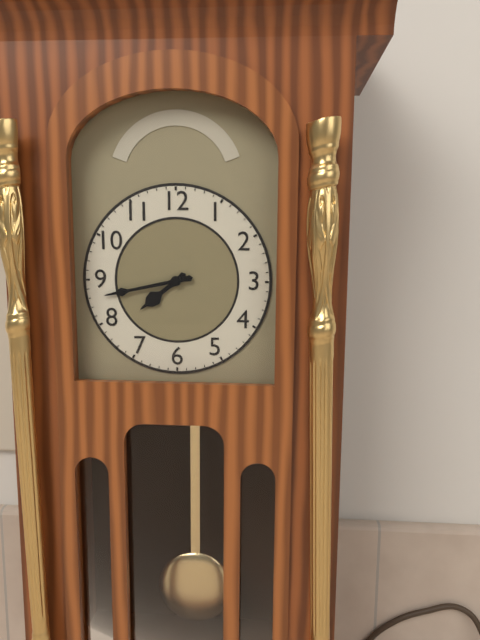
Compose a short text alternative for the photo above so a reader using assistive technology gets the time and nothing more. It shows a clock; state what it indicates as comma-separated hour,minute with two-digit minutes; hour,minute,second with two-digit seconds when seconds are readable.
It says 7,43
